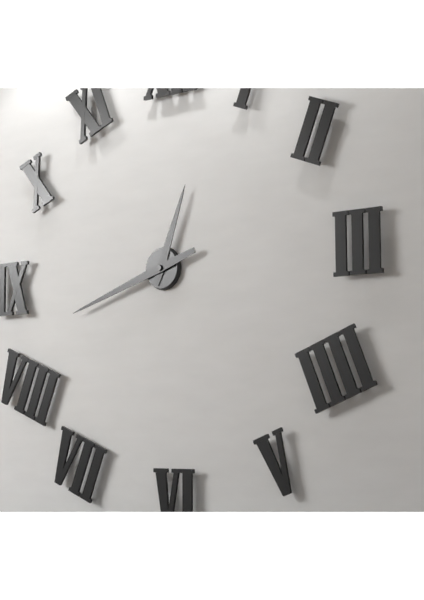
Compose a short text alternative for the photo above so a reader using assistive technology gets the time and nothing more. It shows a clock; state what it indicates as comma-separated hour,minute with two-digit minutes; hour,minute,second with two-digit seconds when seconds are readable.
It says 12,42
